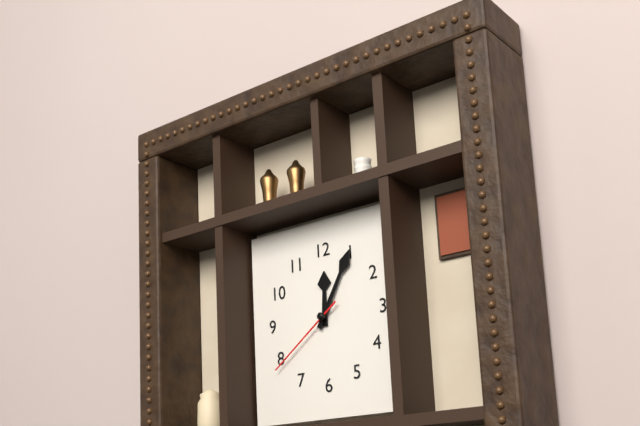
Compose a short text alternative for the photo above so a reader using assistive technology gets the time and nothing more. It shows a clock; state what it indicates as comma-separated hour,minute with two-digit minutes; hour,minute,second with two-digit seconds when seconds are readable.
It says 12,05,39
